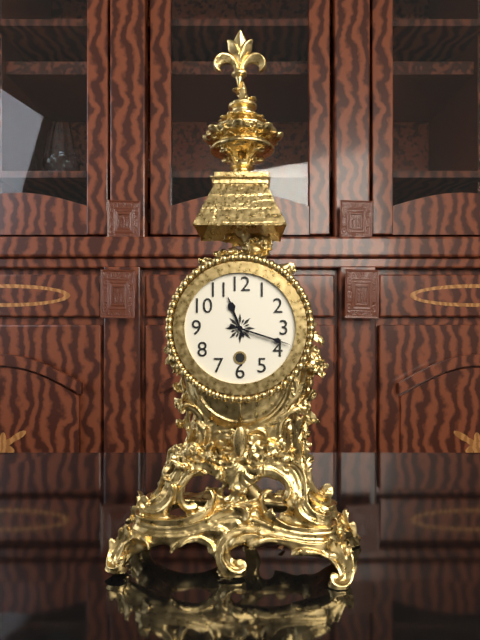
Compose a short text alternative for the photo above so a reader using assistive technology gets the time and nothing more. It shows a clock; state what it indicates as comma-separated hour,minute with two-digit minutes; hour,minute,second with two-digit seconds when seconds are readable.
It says 11,18
